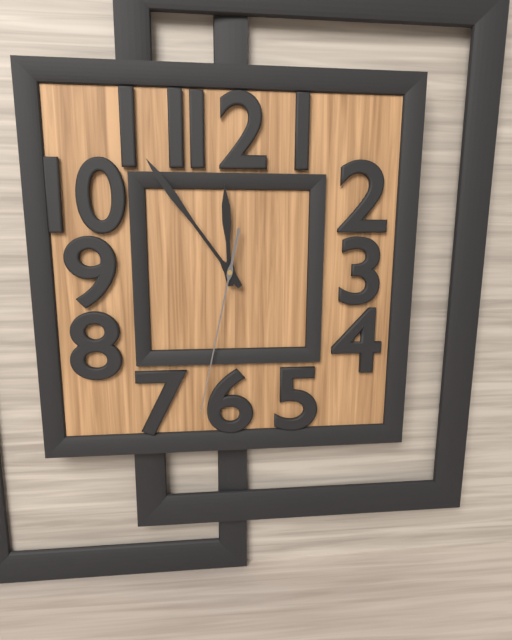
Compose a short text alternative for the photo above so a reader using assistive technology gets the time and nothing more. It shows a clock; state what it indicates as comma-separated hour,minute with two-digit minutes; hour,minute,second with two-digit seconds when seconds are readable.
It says 11,54,32
